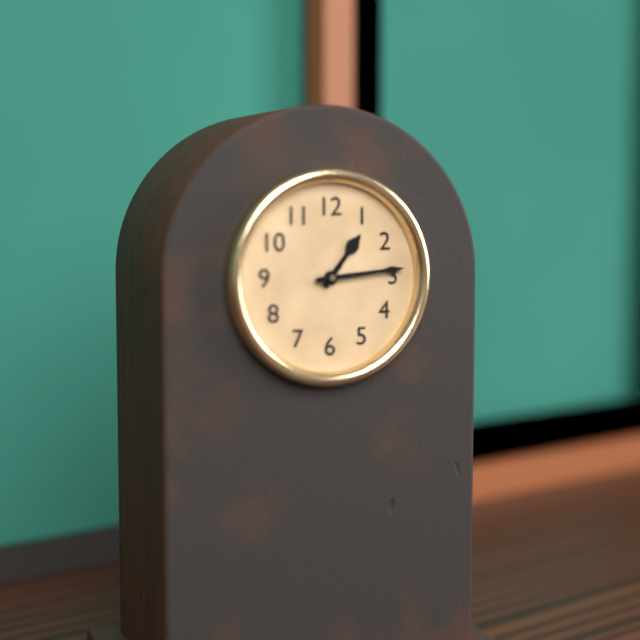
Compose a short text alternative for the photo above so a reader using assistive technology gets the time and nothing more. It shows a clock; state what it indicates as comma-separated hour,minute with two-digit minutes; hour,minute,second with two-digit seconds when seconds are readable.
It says 1,14
